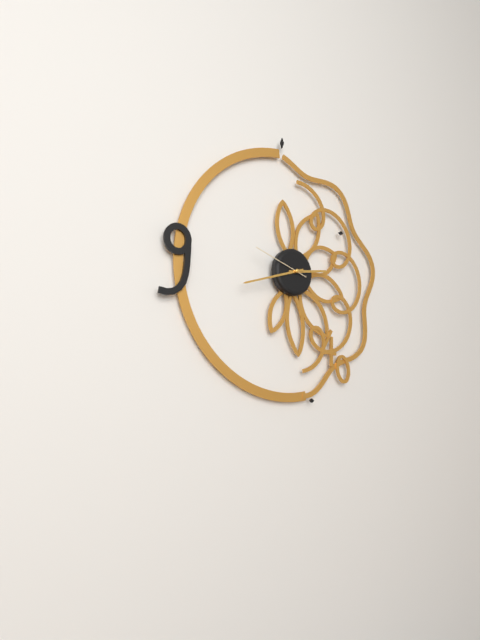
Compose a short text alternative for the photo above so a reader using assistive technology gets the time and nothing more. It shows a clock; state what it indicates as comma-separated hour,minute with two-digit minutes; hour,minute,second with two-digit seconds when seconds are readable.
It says 2,42,48
